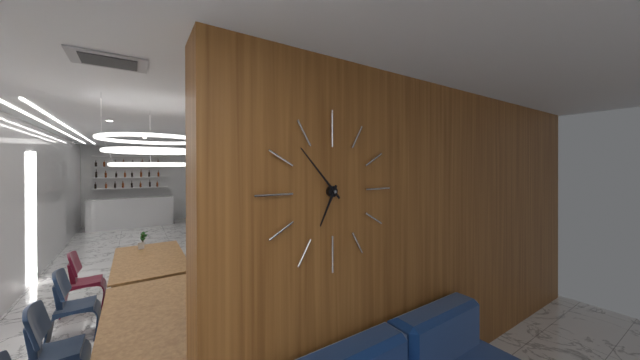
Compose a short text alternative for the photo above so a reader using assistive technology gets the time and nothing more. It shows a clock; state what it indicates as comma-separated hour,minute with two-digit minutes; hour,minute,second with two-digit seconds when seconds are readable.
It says 6,53
